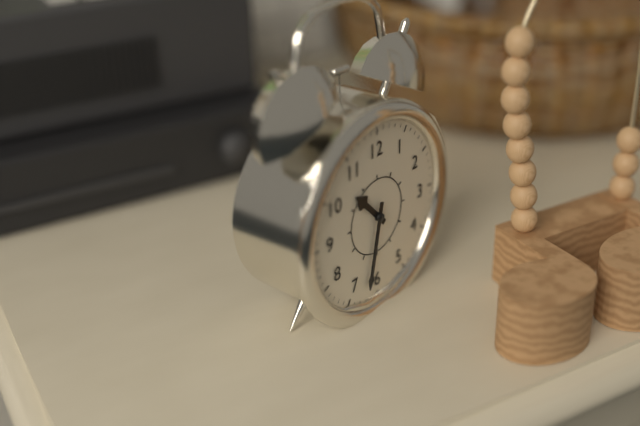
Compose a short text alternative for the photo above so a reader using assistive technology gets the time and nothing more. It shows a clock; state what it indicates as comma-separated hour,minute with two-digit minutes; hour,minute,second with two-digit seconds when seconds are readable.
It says 10,32
